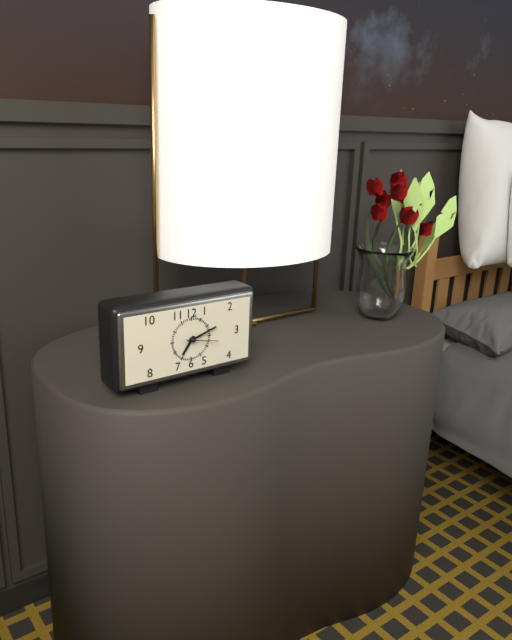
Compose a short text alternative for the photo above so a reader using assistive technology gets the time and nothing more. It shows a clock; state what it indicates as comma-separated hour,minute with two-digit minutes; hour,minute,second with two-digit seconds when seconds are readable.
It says 7,12
